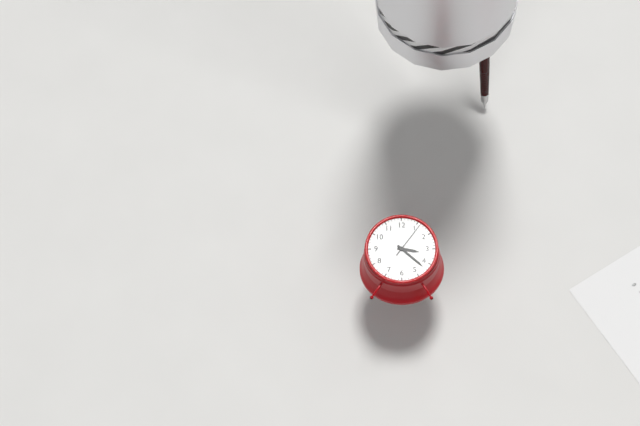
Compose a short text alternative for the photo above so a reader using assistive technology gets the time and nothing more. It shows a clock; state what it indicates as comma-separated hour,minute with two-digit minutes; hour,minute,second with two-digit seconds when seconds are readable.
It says 3,22
